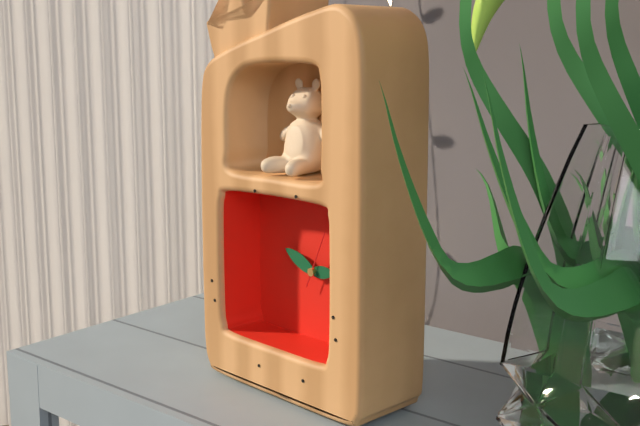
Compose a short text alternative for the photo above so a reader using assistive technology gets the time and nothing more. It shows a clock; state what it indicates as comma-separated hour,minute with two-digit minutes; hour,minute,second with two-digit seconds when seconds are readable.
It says 2,49
